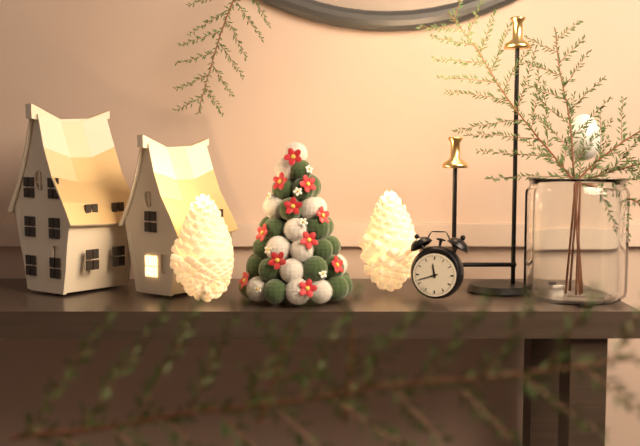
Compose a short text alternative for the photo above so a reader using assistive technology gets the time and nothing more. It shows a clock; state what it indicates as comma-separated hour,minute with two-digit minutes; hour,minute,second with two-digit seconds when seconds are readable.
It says 11,42
